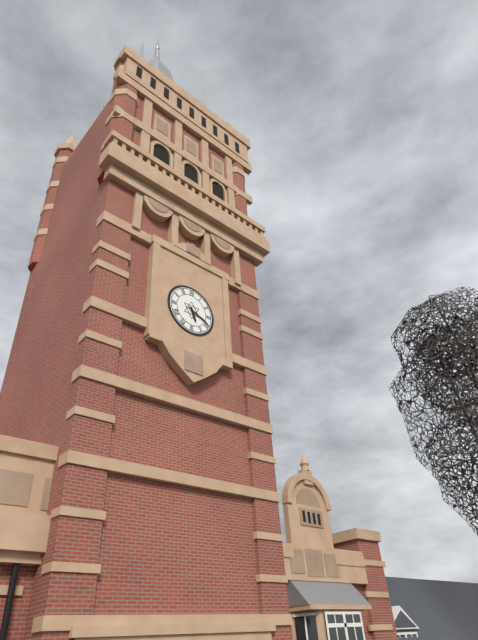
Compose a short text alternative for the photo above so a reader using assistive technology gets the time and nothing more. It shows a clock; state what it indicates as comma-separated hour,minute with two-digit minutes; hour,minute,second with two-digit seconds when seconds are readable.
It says 5,19
